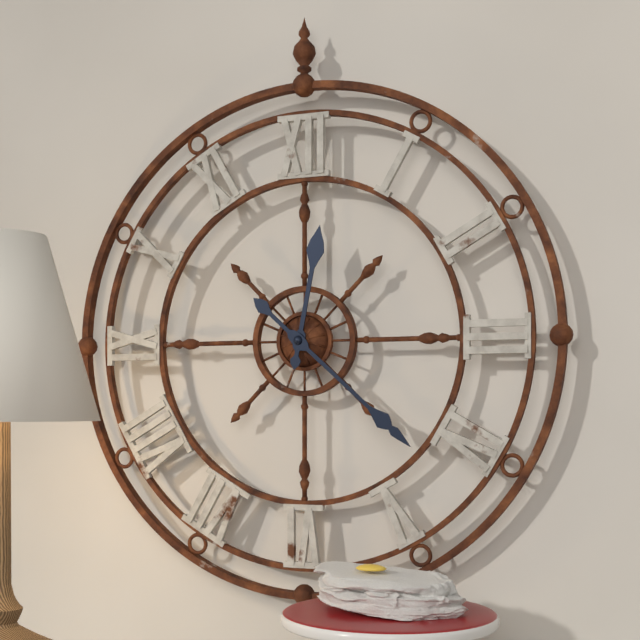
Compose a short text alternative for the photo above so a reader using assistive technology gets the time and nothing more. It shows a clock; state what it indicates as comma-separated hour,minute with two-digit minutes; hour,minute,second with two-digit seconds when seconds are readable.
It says 12,22
